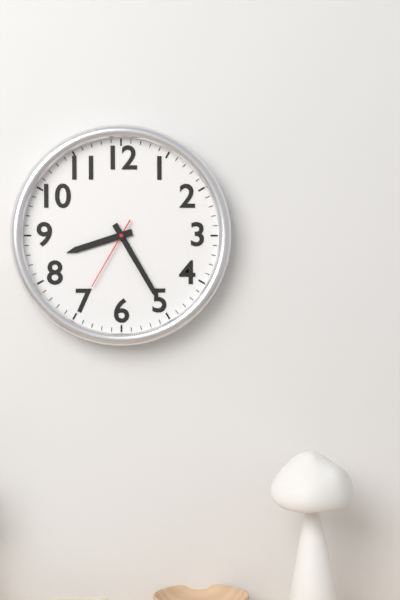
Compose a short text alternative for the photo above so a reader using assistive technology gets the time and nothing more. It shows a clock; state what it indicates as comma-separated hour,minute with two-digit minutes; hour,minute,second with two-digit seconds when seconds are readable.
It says 8,25,35
